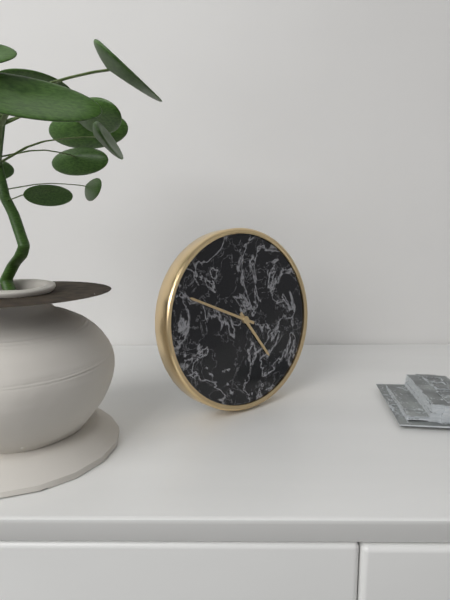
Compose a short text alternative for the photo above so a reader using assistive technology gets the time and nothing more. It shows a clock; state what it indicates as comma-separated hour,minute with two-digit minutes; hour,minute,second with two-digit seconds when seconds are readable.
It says 4,49
